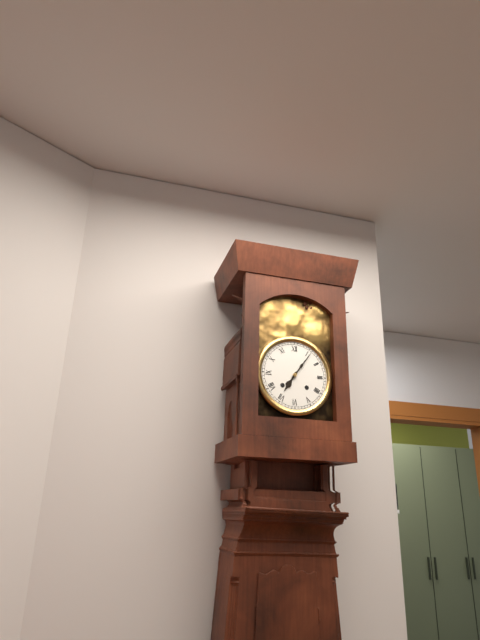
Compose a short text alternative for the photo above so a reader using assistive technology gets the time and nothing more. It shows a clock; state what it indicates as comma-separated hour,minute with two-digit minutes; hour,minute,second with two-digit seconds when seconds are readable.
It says 7,06
